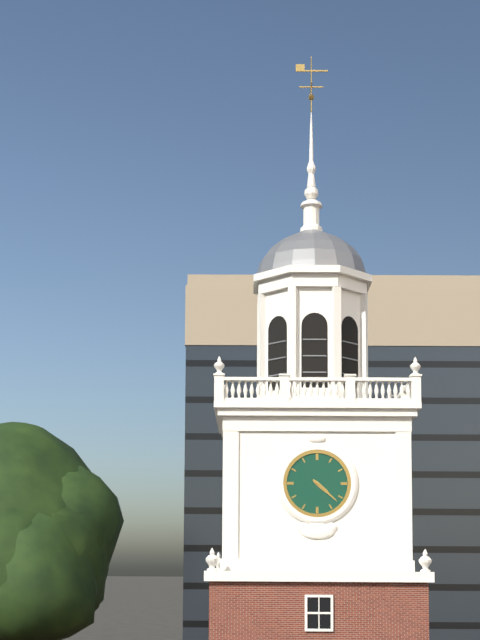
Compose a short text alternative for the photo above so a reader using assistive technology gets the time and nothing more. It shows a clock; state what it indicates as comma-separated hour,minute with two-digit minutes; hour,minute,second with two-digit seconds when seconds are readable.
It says 4,22
